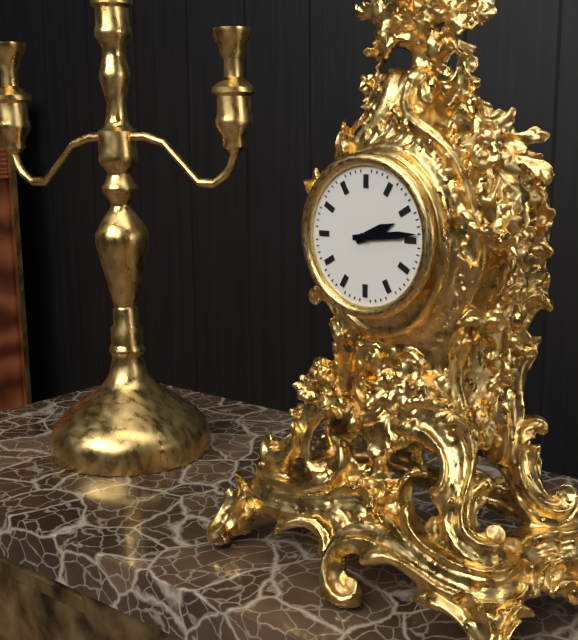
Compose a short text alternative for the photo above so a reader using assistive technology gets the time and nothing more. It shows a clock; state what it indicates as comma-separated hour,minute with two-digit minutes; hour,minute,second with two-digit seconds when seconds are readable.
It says 2,14
